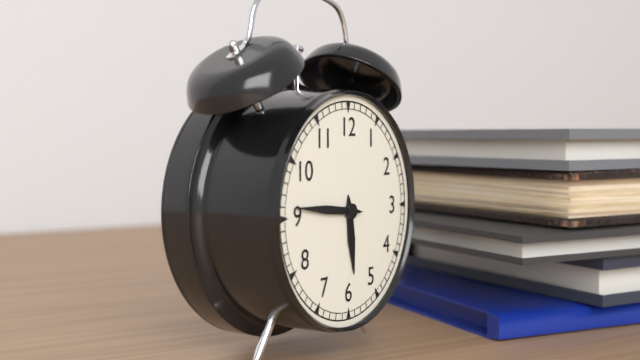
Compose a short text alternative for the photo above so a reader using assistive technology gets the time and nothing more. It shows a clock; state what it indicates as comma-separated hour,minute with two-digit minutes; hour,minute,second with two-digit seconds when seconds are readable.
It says 5,46
